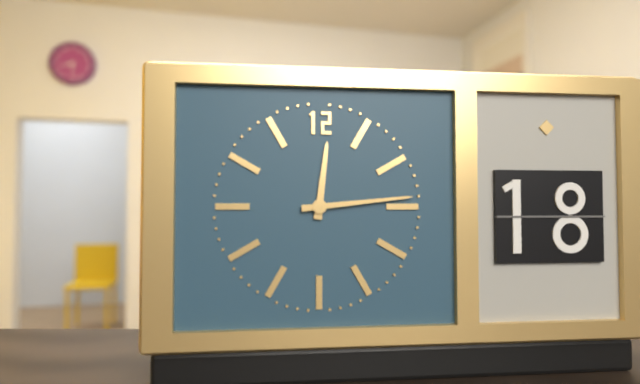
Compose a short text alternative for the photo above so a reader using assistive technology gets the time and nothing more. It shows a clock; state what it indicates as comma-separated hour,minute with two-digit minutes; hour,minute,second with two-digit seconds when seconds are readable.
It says 12,14
